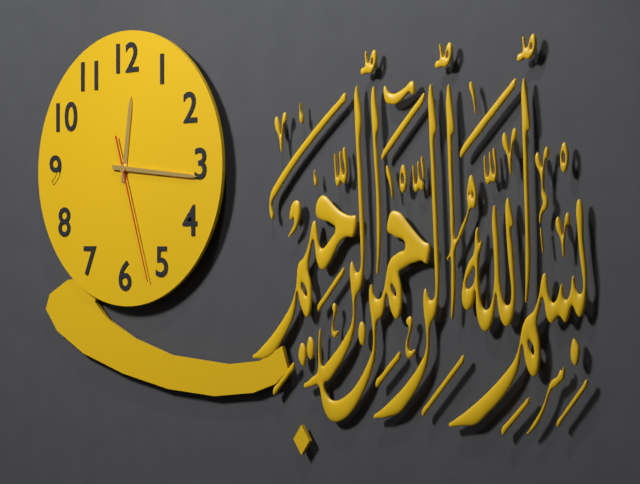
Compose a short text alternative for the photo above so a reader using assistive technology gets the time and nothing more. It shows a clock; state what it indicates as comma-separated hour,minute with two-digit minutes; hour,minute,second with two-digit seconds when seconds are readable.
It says 12,16,27
